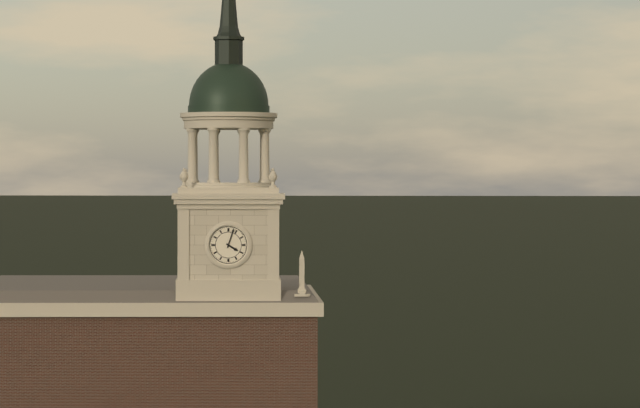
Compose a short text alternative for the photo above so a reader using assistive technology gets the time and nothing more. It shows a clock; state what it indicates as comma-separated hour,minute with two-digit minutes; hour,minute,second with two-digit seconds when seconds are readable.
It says 4,03
